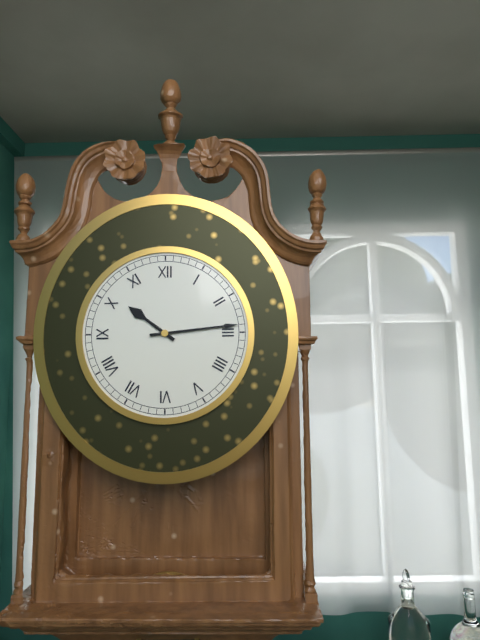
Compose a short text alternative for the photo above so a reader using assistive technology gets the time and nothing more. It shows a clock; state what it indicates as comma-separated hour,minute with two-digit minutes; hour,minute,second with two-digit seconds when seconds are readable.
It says 10,14
